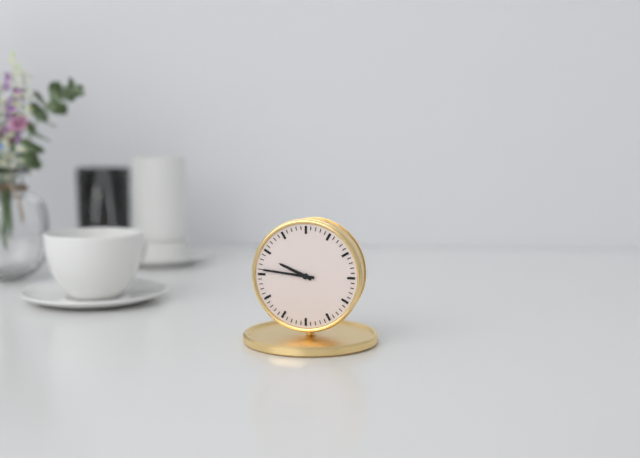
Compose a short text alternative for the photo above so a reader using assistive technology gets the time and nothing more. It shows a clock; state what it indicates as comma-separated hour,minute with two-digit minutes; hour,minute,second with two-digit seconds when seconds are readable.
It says 9,46
